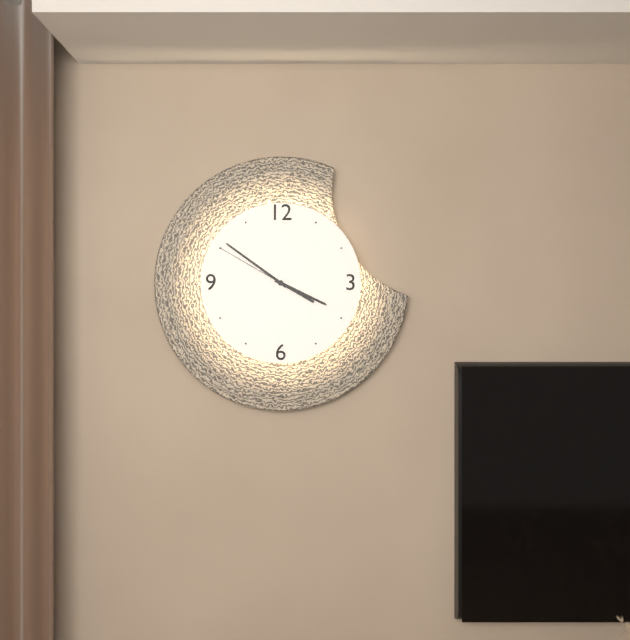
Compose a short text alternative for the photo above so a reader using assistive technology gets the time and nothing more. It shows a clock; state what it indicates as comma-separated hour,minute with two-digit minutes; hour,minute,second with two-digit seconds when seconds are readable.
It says 3,51,50
